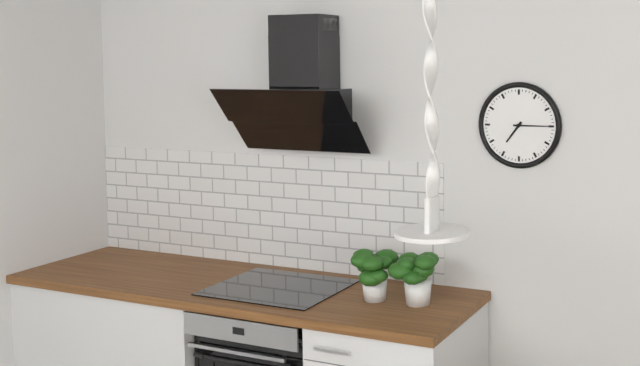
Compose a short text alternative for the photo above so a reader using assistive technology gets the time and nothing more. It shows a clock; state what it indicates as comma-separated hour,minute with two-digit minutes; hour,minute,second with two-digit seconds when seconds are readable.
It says 7,15
